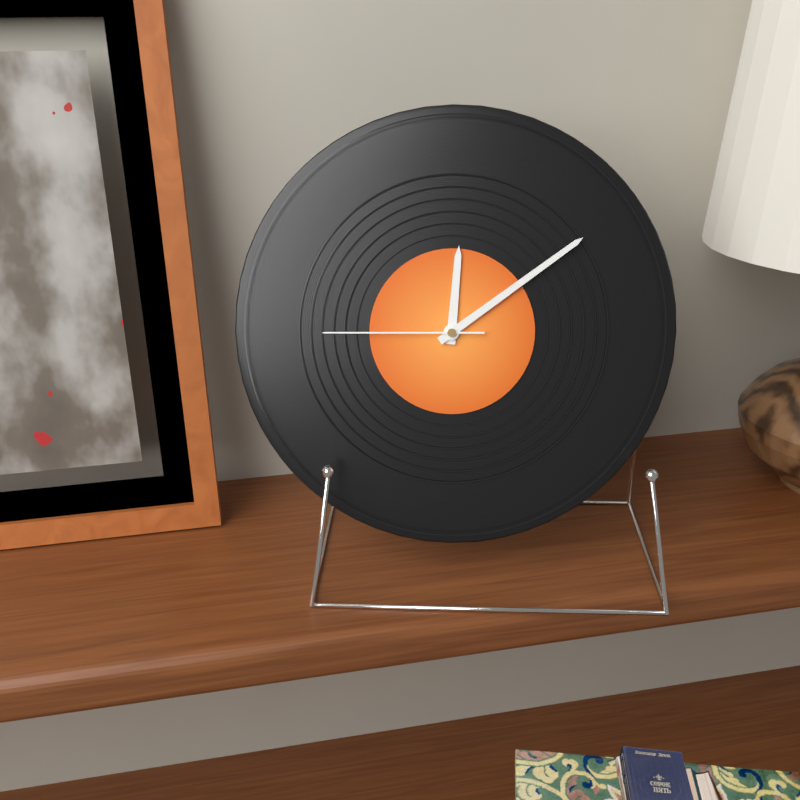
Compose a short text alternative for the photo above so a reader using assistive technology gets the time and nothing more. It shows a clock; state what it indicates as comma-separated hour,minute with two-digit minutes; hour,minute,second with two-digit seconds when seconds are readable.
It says 12,09,45
